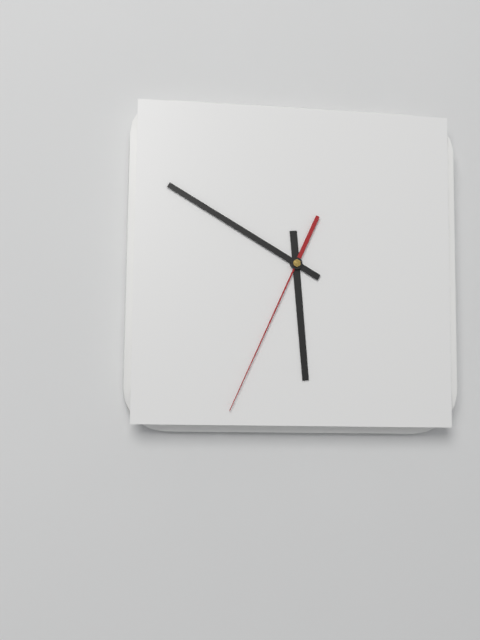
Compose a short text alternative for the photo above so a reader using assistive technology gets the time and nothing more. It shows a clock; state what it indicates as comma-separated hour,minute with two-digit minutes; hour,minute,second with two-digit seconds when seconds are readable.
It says 5,50,34
